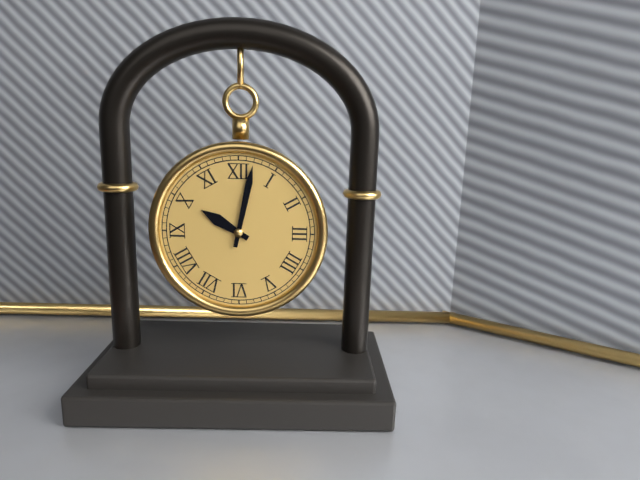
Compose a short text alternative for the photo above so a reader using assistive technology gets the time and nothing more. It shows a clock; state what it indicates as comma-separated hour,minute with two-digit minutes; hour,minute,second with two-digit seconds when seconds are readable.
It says 10,02
